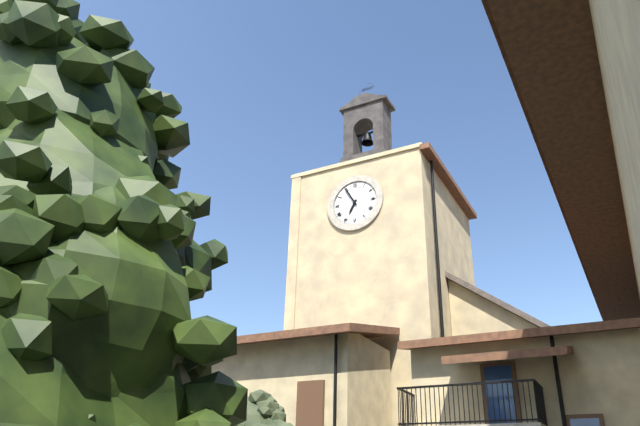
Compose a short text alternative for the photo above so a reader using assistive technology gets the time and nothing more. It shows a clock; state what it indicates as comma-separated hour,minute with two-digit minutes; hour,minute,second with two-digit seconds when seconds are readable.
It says 6,55
